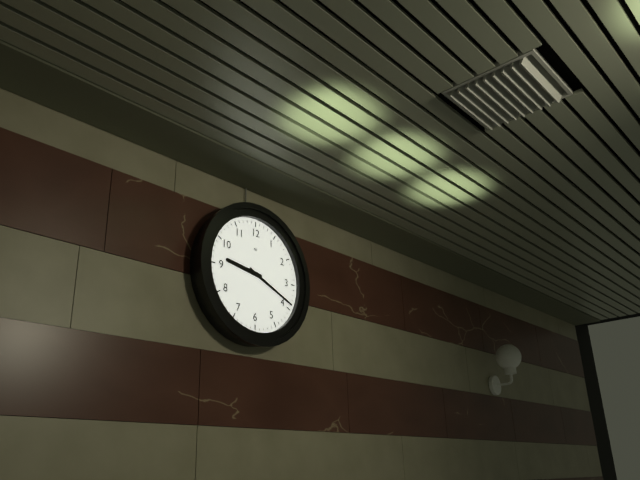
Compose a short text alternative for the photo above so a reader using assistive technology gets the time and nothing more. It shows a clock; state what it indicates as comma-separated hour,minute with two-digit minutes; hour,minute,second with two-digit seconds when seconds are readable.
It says 9,19
